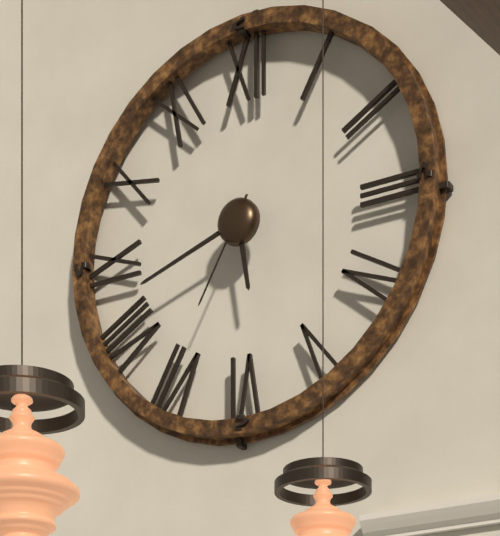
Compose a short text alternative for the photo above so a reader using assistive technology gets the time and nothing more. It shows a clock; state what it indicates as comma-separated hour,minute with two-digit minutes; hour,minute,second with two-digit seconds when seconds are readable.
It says 5,42,35
